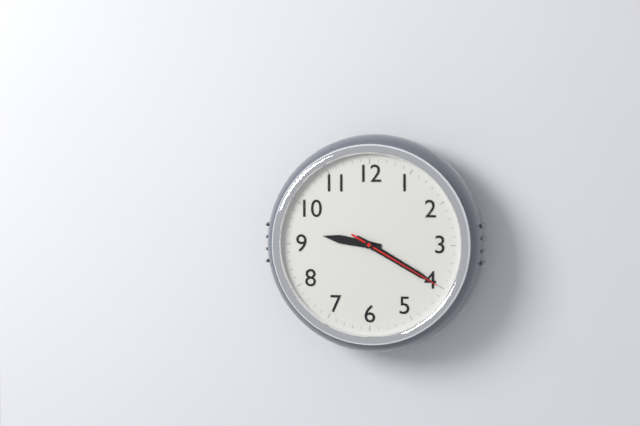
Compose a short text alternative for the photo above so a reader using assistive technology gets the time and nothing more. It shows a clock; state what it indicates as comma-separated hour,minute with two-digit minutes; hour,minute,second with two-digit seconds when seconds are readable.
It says 9,20,20
